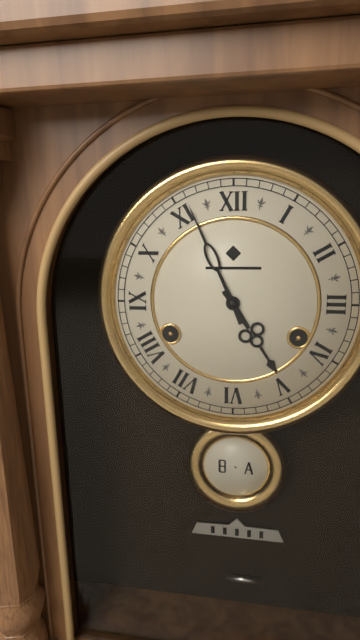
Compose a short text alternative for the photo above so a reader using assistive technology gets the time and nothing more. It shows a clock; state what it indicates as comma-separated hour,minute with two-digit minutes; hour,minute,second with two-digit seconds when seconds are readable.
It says 4,56
